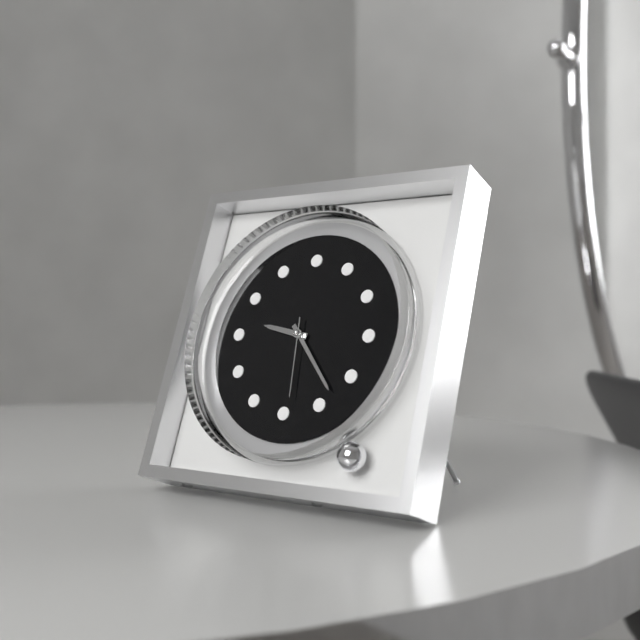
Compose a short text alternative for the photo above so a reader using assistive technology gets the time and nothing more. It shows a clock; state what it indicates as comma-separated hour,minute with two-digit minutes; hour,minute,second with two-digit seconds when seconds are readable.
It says 9,23,29
